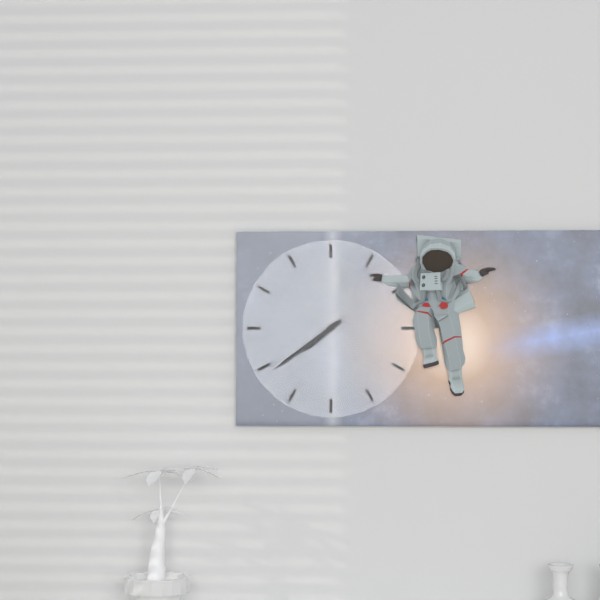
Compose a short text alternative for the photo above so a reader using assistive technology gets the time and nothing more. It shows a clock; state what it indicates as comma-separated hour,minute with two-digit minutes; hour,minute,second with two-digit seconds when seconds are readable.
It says 7,39
